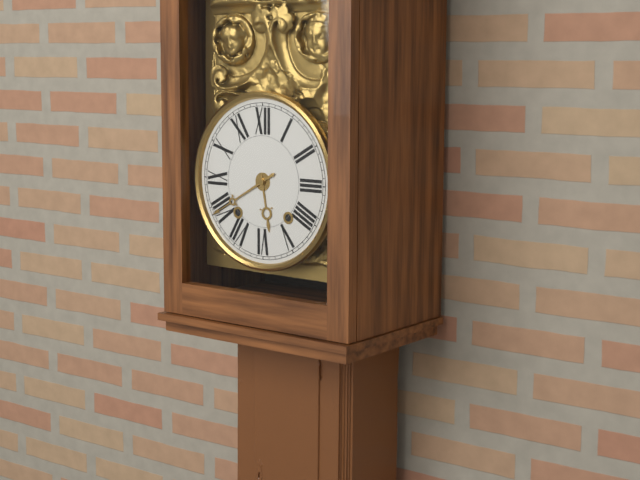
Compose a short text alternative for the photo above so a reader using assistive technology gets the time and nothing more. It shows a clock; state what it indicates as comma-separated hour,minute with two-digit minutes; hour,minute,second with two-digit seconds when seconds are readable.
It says 5,40
